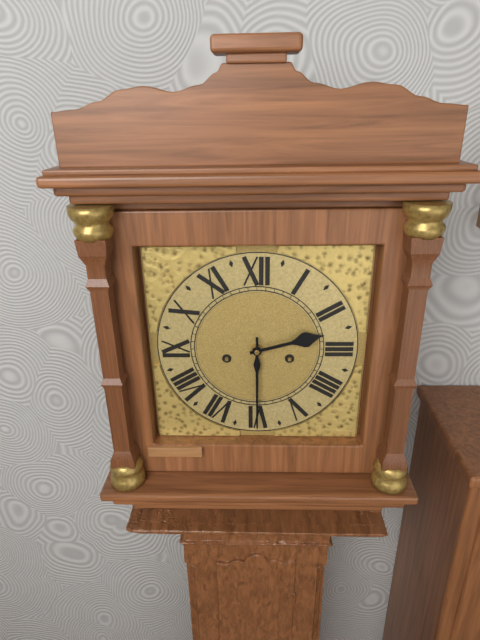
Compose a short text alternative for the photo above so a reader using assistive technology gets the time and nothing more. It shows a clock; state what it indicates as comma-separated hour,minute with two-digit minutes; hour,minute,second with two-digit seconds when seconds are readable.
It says 2,30
